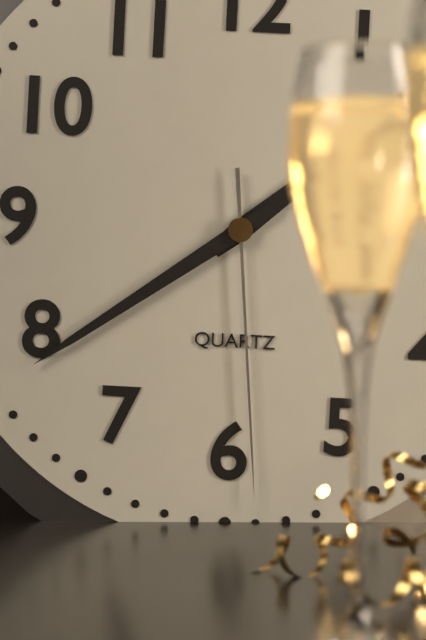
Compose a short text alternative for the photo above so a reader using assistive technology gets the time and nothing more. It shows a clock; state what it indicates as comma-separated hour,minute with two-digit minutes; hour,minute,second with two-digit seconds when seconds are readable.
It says 1,39,29
